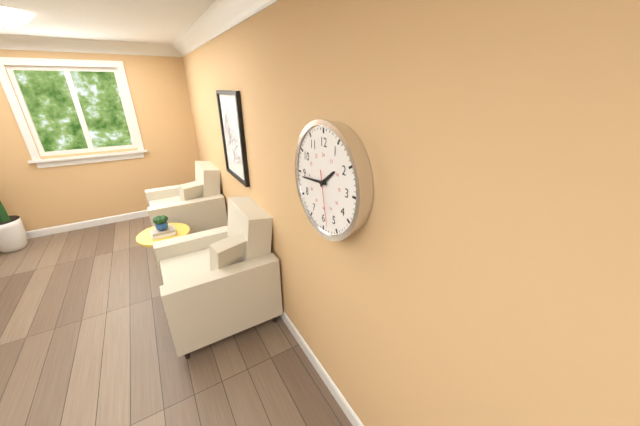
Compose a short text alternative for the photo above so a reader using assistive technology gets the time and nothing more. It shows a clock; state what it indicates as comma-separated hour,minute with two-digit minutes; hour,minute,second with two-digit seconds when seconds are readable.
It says 1,44,28
